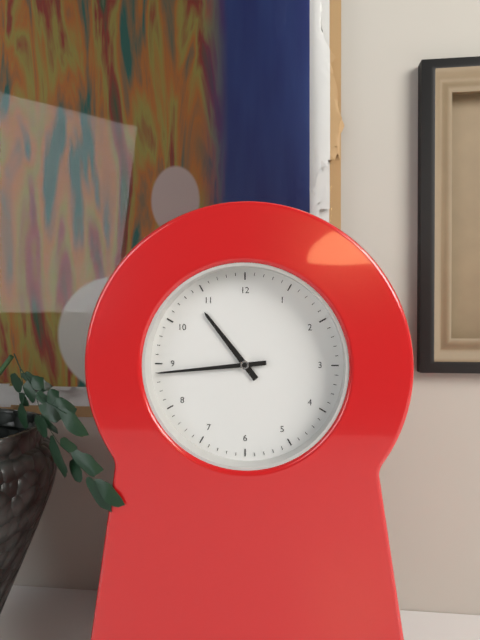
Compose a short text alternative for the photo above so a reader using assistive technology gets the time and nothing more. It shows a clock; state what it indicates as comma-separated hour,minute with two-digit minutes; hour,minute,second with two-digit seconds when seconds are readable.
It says 10,44
